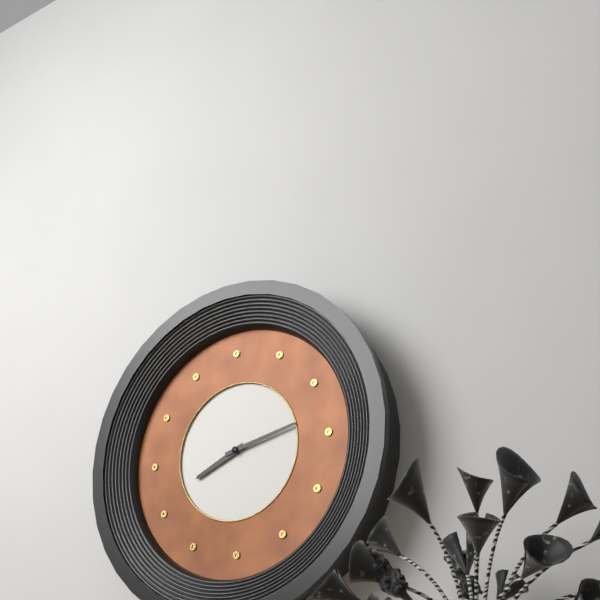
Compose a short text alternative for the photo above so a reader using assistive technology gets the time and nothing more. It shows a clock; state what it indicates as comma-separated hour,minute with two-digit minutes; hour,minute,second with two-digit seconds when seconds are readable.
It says 8,13
